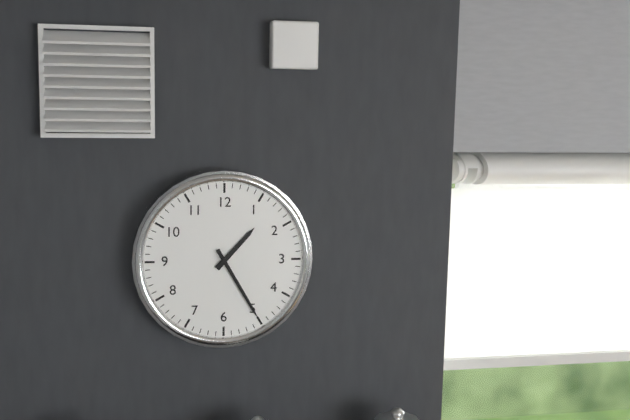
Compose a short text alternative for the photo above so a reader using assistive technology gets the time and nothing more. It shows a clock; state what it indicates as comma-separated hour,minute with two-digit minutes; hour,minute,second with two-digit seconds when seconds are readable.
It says 1,25
